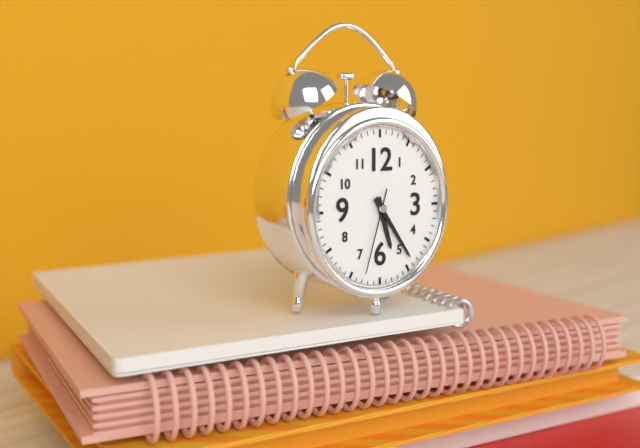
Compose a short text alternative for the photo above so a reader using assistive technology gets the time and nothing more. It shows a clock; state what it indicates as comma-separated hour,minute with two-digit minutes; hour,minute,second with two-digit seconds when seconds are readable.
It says 5,24,33
